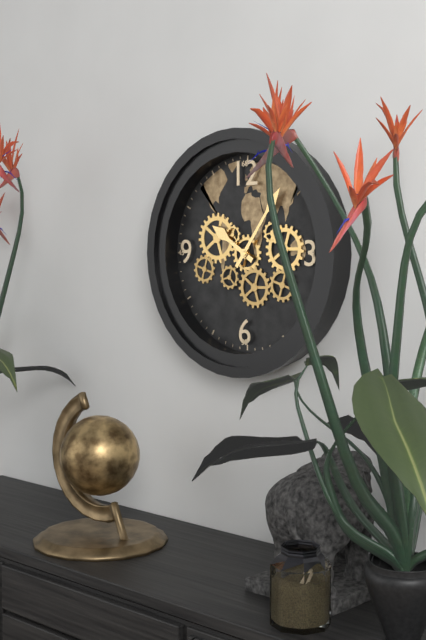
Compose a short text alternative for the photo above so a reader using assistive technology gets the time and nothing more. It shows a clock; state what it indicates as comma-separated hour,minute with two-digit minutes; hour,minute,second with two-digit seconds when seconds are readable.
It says 10,06
